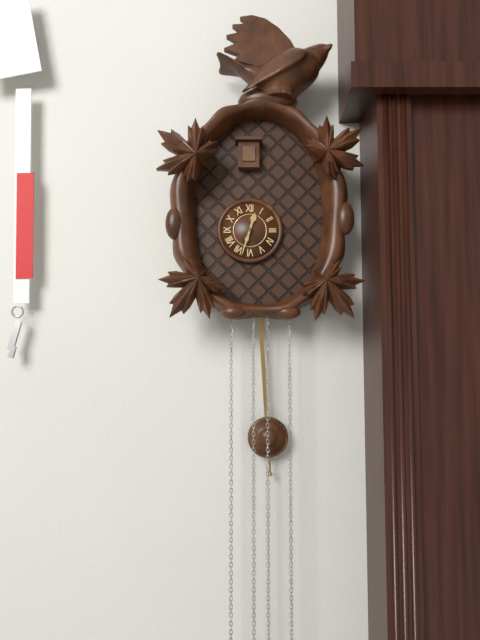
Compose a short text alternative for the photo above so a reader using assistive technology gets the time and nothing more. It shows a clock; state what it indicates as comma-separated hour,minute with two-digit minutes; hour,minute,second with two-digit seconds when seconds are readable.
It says 12,33
